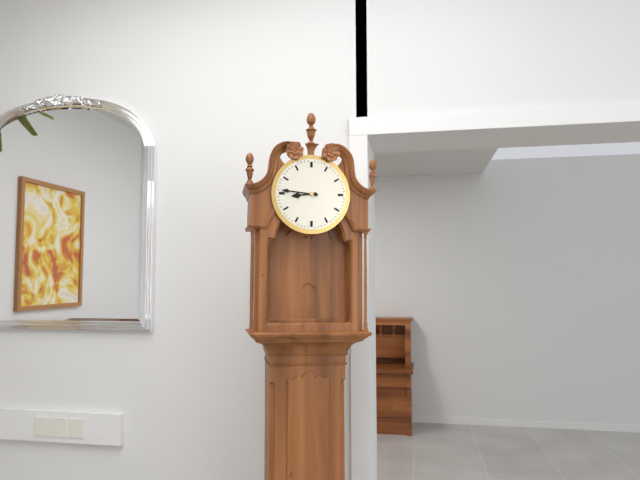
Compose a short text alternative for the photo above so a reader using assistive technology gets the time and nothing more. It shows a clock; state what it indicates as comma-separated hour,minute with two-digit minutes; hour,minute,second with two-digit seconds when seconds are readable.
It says 8,46
